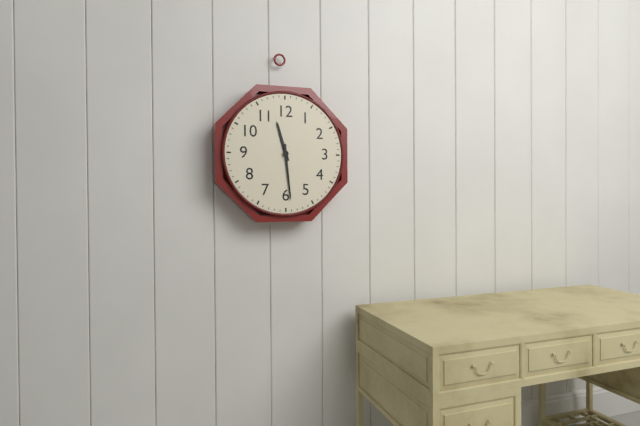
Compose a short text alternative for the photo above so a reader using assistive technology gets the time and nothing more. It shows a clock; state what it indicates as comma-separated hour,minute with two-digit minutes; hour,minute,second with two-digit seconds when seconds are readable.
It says 11,29
